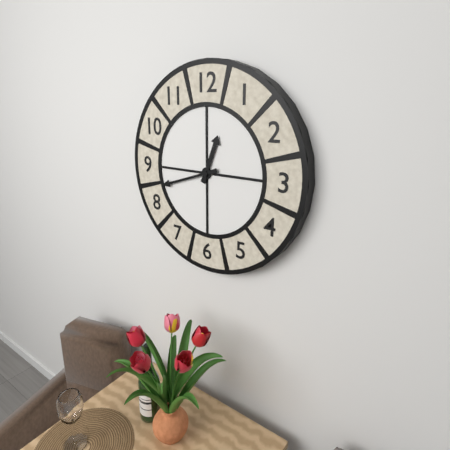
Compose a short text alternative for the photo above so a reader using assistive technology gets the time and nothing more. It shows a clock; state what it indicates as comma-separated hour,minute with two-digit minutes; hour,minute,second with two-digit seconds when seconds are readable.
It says 12,42
